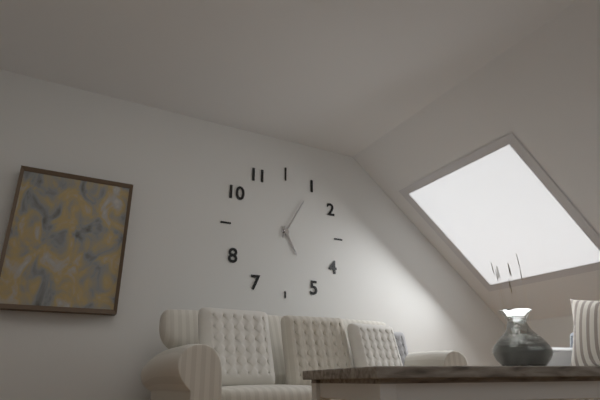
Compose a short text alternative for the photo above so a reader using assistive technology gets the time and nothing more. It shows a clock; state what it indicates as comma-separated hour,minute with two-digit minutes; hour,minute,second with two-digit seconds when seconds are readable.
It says 5,05
